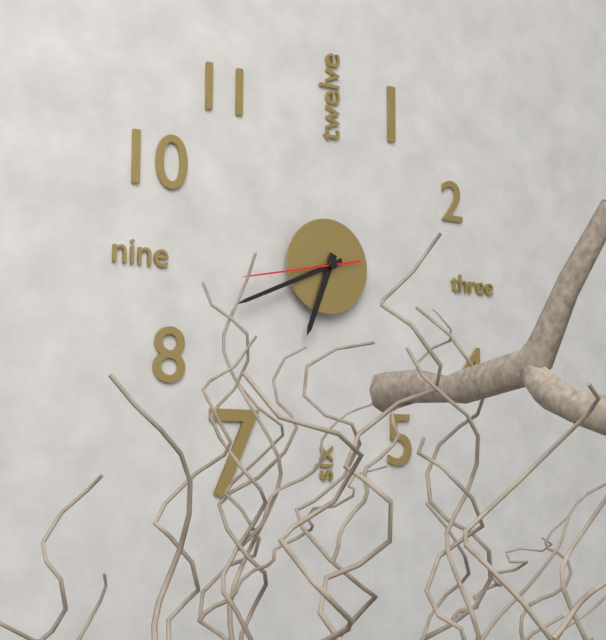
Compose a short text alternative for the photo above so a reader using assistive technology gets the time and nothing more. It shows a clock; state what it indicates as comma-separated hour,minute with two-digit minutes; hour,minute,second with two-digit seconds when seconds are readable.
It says 6,41,43
